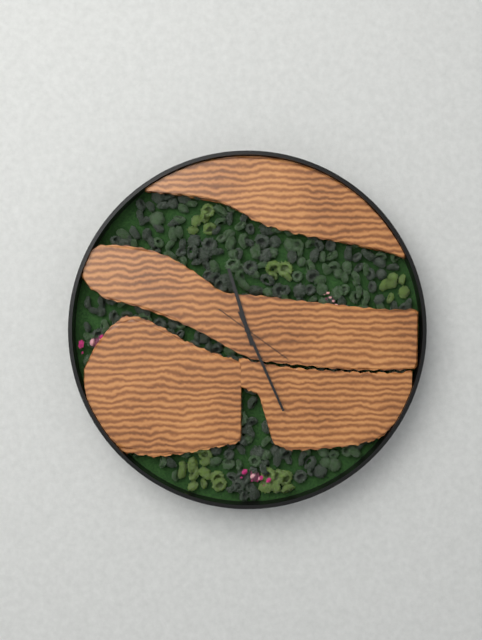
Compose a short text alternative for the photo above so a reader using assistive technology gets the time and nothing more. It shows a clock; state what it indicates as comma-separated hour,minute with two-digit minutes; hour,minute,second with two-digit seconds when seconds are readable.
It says 11,26,21
